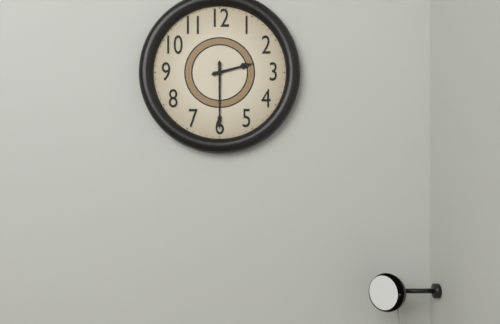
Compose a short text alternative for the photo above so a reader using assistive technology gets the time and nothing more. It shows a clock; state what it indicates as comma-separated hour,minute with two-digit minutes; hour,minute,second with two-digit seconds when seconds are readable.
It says 2,30
